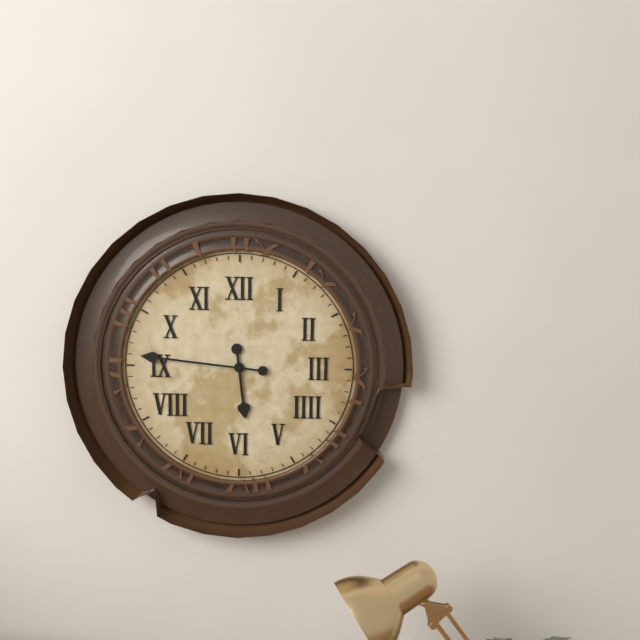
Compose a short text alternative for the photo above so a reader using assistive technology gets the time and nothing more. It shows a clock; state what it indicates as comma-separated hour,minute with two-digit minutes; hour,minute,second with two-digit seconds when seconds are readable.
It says 5,46
